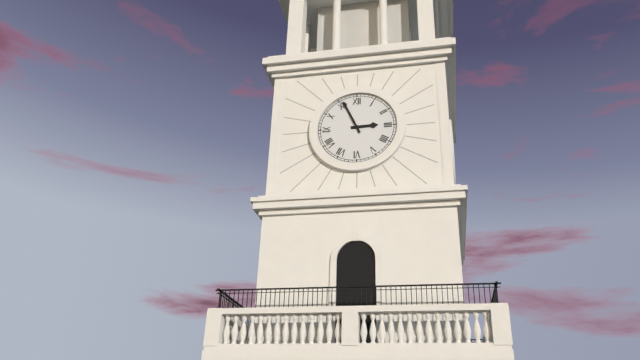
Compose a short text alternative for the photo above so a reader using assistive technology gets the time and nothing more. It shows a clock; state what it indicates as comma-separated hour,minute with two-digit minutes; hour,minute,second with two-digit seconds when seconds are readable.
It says 2,56
